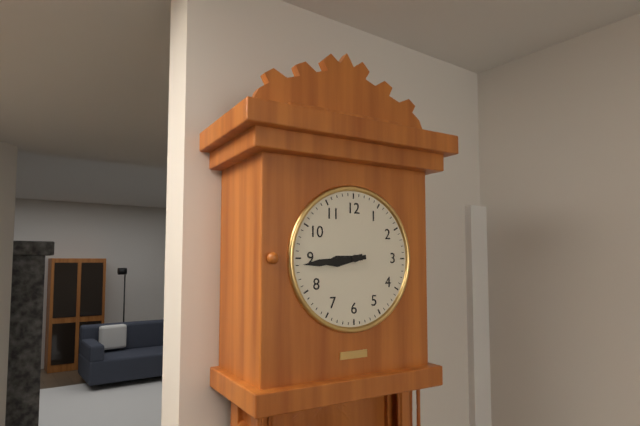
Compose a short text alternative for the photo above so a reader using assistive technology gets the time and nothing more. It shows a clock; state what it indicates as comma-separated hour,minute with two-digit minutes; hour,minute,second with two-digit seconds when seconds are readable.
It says 8,44
